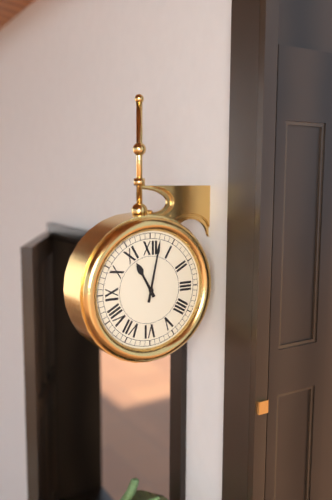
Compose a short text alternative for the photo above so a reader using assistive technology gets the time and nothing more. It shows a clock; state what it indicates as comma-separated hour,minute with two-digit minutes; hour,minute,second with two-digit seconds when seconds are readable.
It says 11,02
